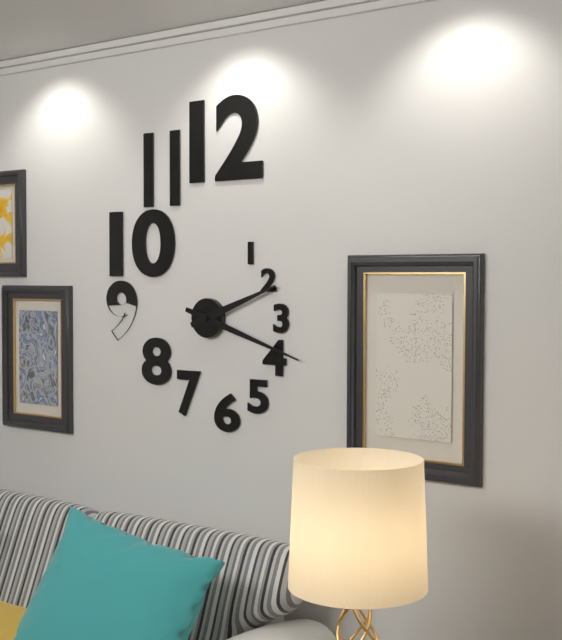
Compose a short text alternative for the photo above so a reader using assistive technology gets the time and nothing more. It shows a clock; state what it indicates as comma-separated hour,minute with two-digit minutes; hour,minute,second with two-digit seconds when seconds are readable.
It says 2,18
